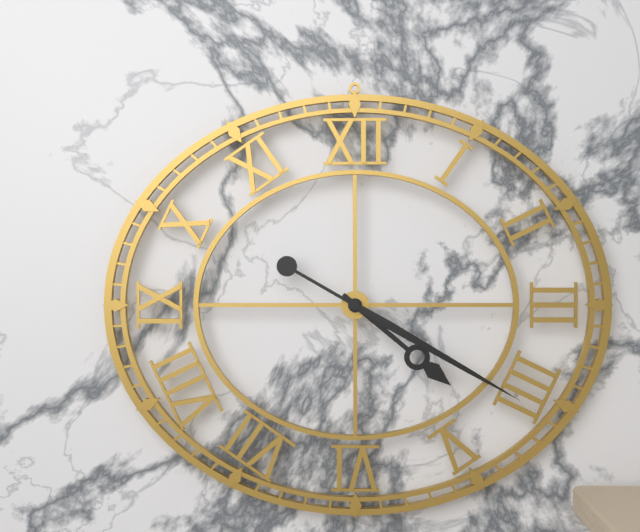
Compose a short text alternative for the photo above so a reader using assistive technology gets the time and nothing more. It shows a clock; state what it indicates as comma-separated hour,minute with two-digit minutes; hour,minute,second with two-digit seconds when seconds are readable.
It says 4,20
